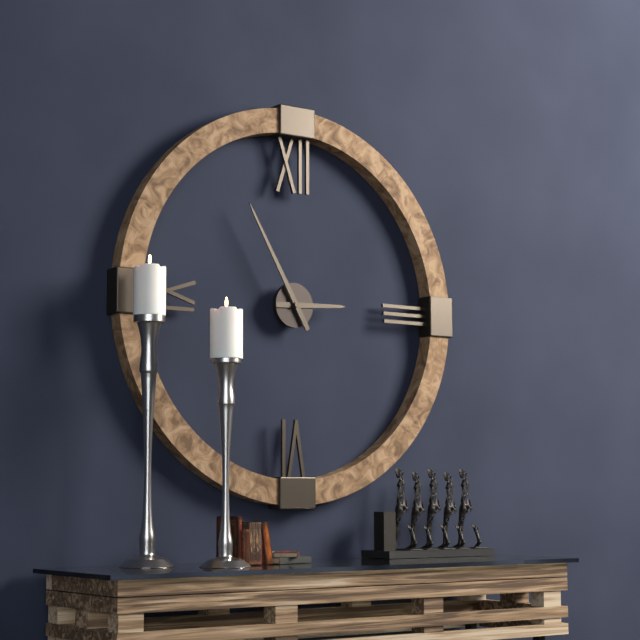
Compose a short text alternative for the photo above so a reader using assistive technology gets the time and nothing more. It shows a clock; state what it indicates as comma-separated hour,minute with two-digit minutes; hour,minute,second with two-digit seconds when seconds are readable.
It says 2,55
